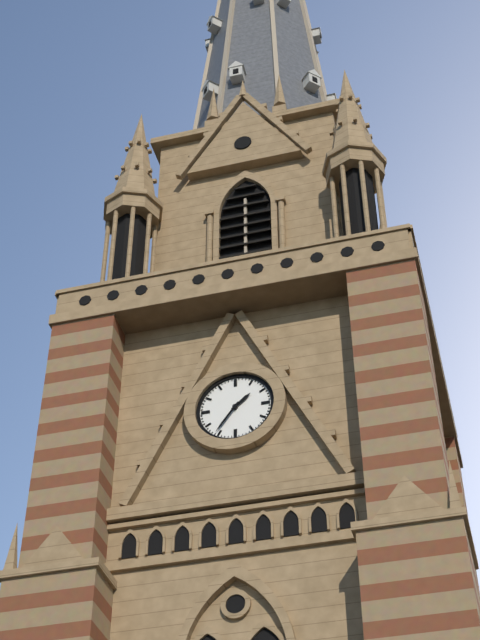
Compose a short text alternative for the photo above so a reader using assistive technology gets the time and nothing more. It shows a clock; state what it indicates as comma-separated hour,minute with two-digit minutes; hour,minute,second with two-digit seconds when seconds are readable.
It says 1,36
